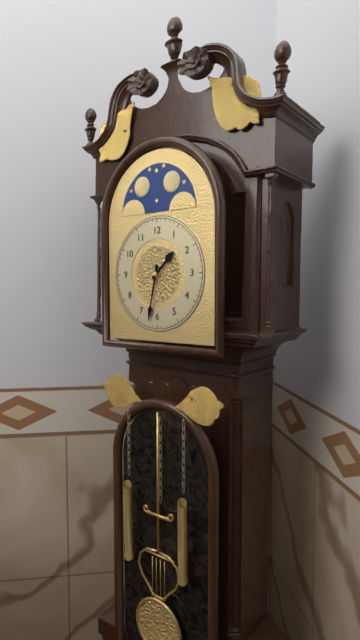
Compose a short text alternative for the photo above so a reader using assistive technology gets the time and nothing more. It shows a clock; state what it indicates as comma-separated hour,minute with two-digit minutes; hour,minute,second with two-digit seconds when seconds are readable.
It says 1,32
